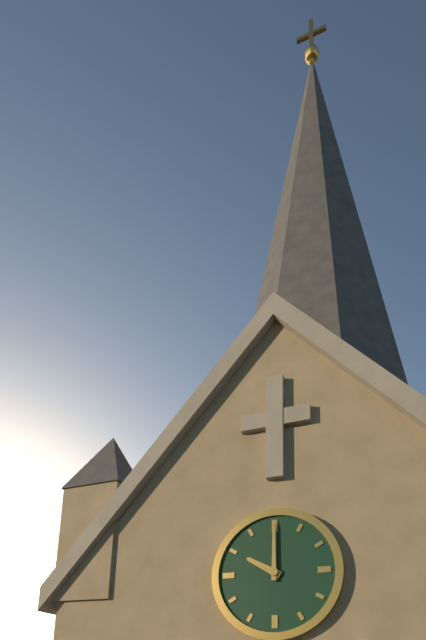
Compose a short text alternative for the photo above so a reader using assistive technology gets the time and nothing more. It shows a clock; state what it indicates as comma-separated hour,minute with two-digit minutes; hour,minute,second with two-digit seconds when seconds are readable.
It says 10,00
